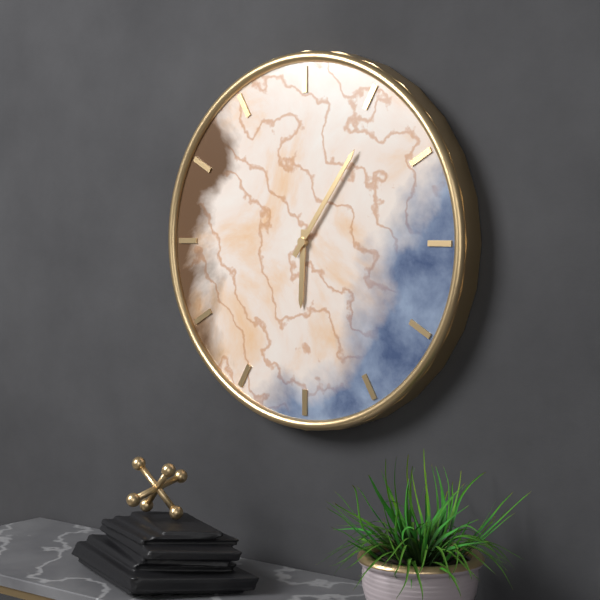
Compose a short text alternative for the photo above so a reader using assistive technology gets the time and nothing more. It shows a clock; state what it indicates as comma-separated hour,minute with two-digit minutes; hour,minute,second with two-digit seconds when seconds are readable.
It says 6,06
